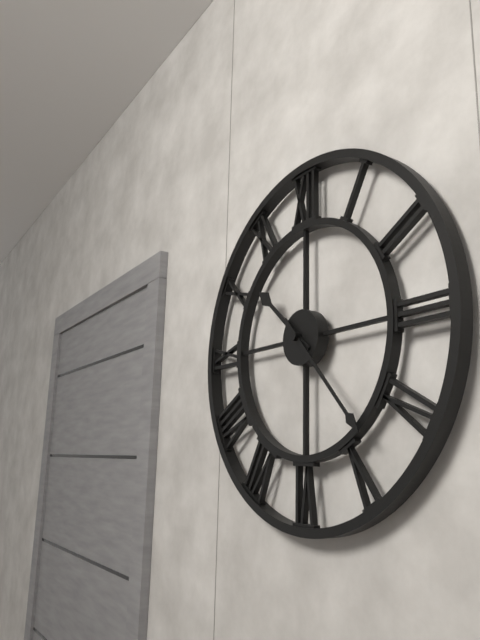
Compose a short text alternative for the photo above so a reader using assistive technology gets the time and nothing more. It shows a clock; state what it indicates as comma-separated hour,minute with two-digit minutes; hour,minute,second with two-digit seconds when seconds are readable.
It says 10,23
